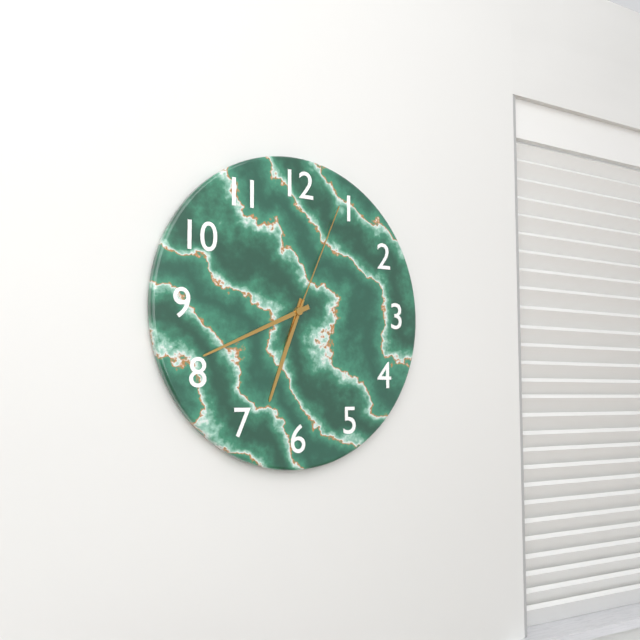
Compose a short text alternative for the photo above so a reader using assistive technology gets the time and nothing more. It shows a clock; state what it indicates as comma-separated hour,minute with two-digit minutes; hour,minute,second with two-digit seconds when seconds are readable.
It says 6,41,04
